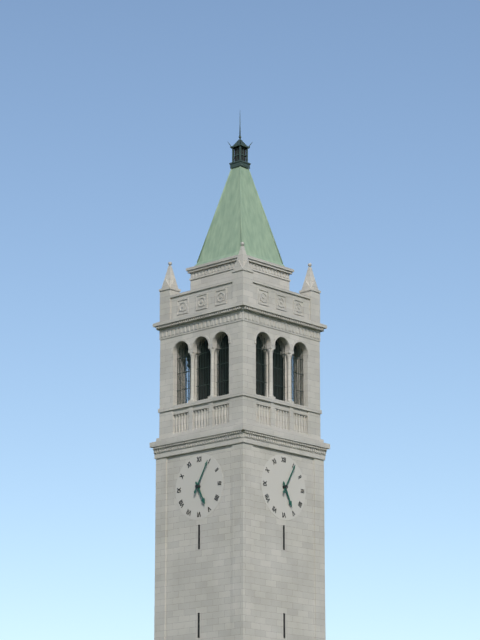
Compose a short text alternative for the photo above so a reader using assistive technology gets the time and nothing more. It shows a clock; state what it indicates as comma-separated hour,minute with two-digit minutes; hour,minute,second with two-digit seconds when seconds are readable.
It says 5,05
